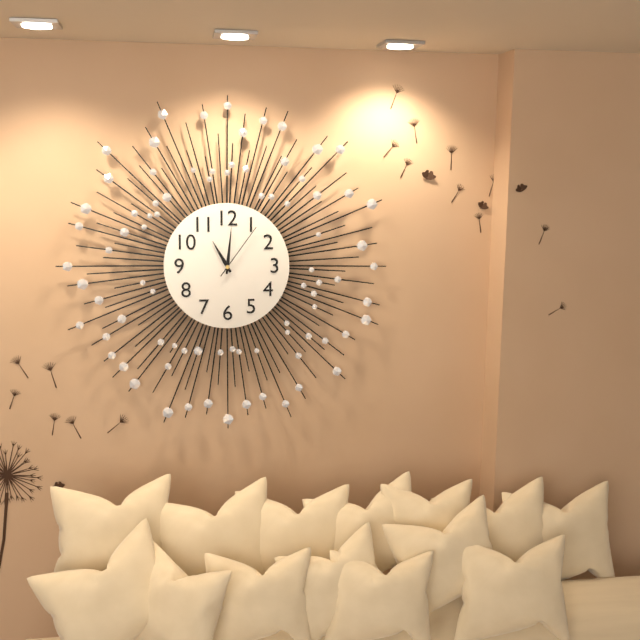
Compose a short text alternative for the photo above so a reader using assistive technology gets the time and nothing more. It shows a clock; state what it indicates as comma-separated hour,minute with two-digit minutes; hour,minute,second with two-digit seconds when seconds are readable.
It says 11,01,06
